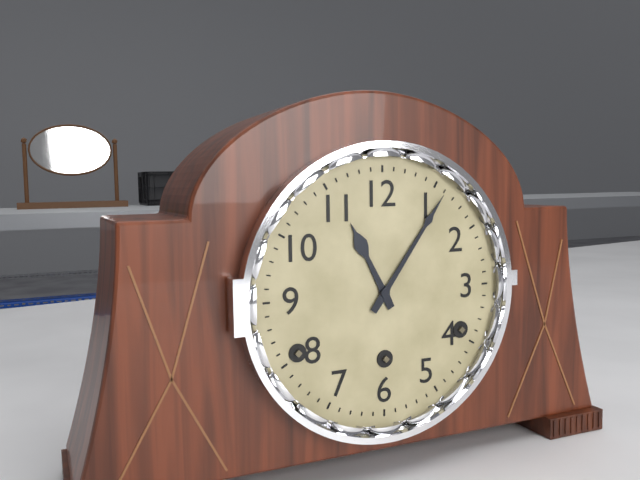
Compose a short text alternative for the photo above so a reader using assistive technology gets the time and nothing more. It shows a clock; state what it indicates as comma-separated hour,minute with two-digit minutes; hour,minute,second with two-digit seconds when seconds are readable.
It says 11,06
